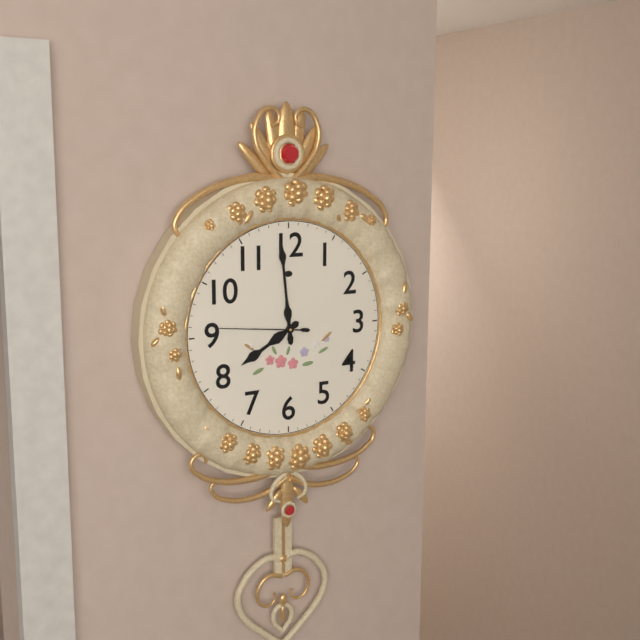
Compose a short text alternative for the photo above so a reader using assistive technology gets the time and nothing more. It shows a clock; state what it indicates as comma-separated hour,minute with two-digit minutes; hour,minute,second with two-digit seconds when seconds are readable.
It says 7,59,46
